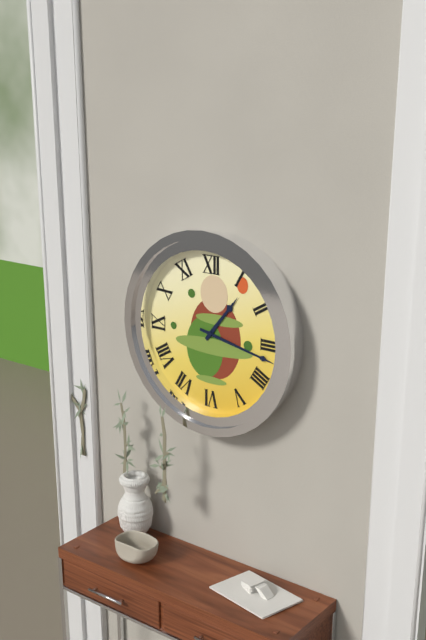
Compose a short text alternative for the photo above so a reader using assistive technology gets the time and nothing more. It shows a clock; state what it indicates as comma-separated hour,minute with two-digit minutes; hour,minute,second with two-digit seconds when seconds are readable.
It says 1,17
